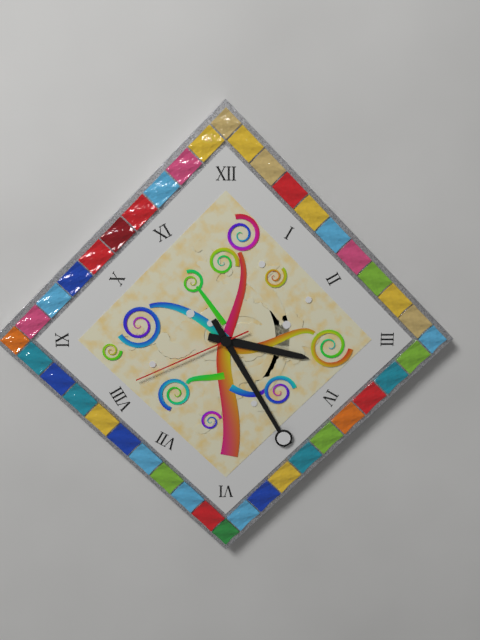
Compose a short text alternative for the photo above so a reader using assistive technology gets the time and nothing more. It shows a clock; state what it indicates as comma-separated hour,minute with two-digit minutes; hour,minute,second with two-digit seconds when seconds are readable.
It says 3,25,41
